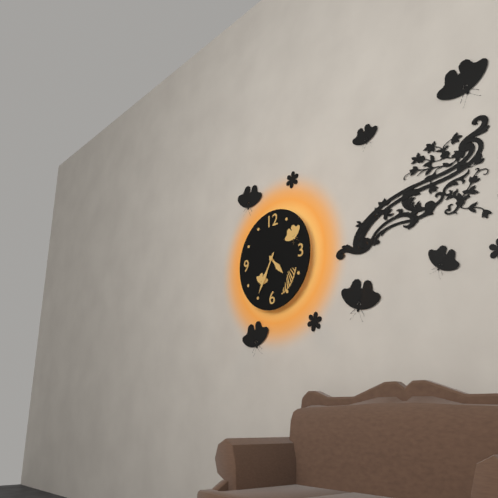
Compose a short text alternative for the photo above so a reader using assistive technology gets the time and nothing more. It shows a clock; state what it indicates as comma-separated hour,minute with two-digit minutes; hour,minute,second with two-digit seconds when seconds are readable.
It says 4,35
